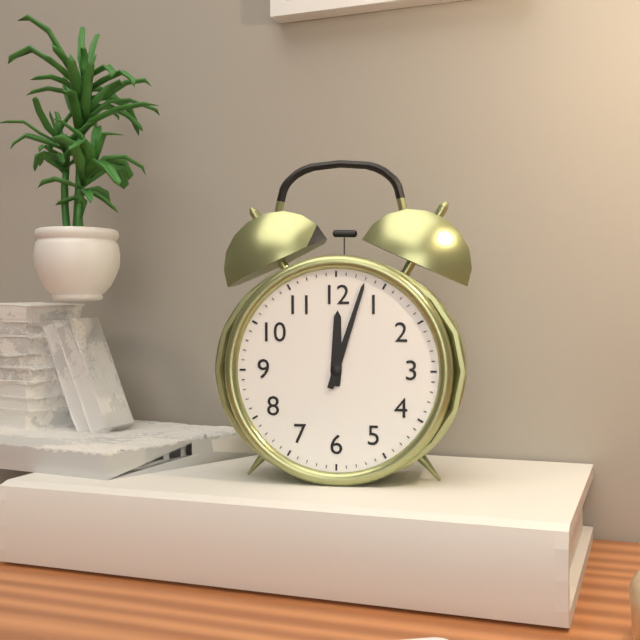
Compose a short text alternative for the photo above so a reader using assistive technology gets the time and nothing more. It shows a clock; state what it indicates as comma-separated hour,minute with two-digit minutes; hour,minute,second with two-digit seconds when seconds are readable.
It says 12,03
